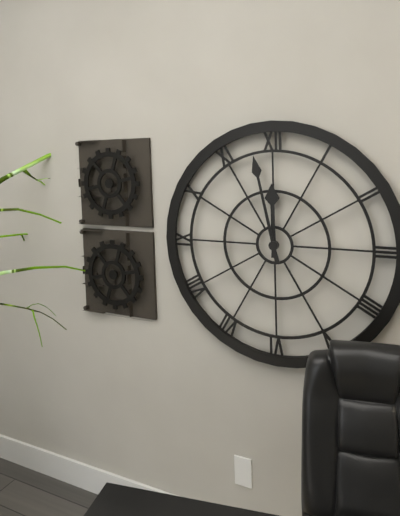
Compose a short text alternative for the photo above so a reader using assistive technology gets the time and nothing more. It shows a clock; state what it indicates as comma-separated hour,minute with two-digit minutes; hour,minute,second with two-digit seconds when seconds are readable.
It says 11,58
